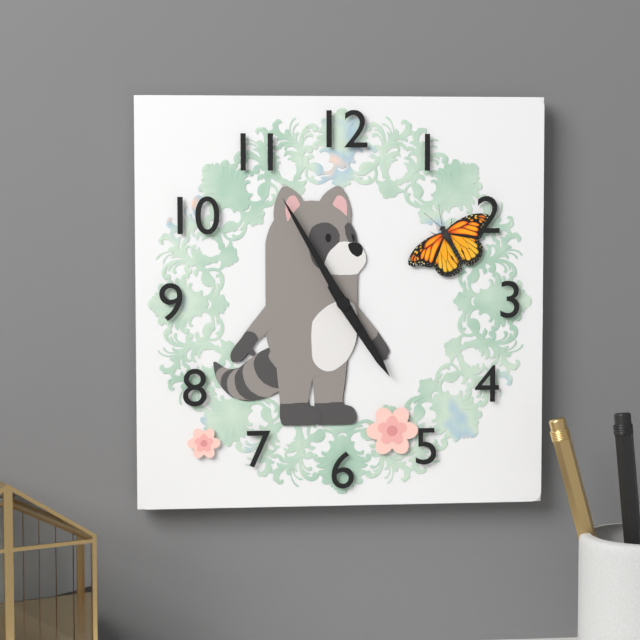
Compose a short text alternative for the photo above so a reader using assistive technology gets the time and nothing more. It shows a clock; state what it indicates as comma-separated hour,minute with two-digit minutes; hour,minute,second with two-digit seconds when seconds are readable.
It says 4,55
